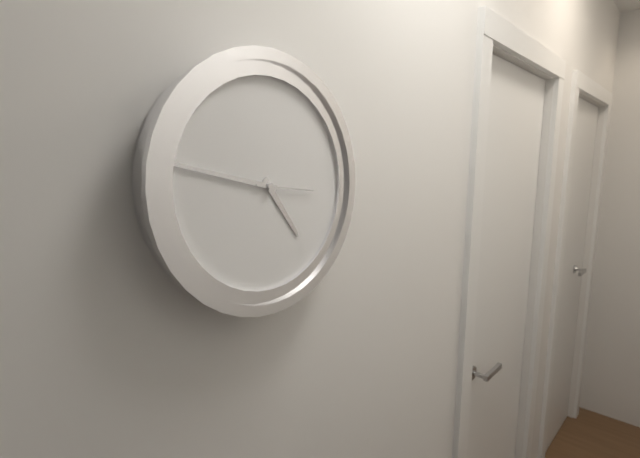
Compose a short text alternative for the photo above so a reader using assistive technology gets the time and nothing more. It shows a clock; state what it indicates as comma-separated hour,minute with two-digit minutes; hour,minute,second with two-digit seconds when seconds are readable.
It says 4,47,16
